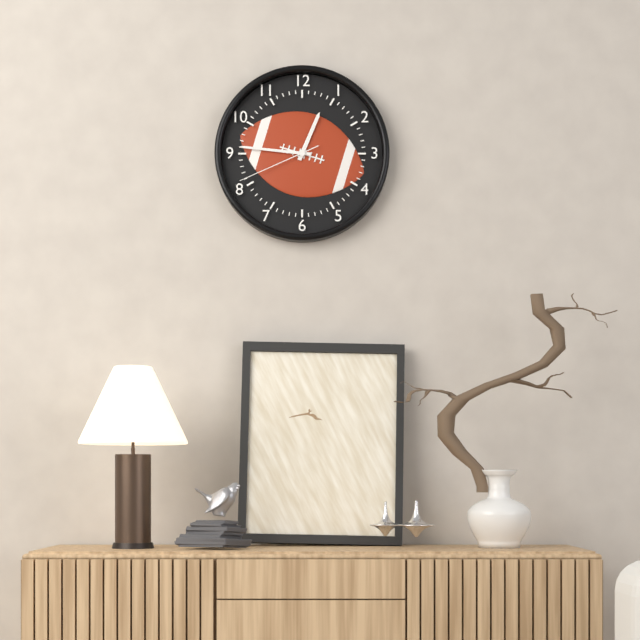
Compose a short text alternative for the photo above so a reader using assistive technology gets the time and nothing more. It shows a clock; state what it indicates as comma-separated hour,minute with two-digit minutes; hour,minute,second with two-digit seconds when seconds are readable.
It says 12,46,41
